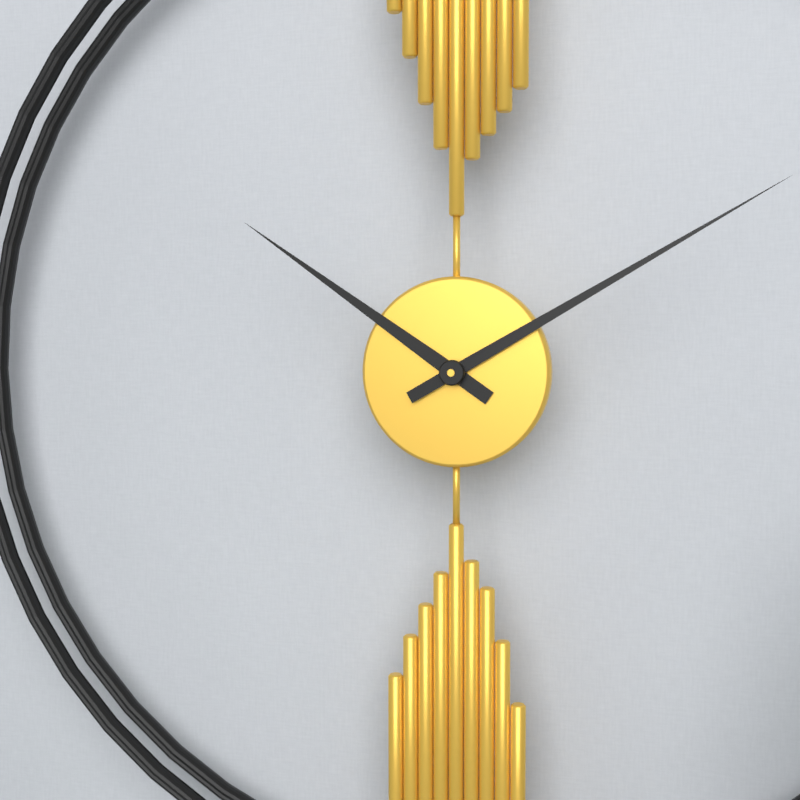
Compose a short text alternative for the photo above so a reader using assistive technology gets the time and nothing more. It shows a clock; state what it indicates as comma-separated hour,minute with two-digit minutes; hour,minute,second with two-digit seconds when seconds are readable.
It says 10,10
